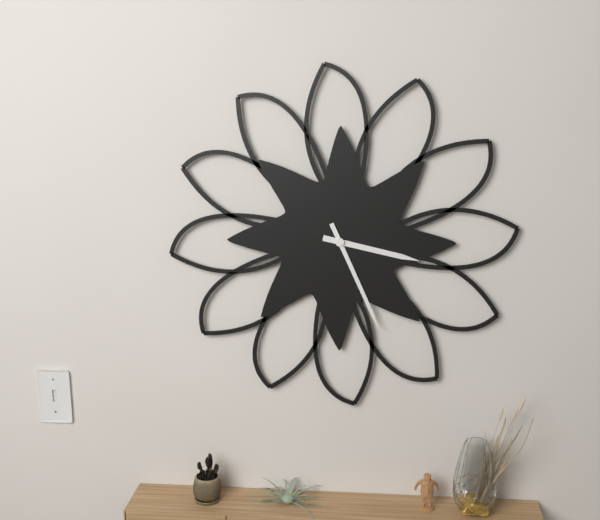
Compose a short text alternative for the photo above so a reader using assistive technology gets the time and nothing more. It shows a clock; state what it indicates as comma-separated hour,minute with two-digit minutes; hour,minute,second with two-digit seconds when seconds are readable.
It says 3,26
